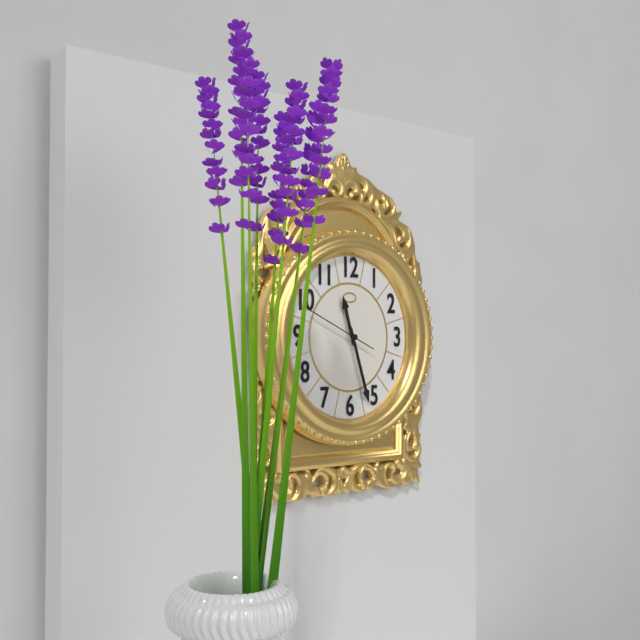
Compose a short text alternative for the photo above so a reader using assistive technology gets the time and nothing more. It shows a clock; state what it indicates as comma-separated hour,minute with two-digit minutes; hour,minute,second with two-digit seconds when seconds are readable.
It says 11,27,49
